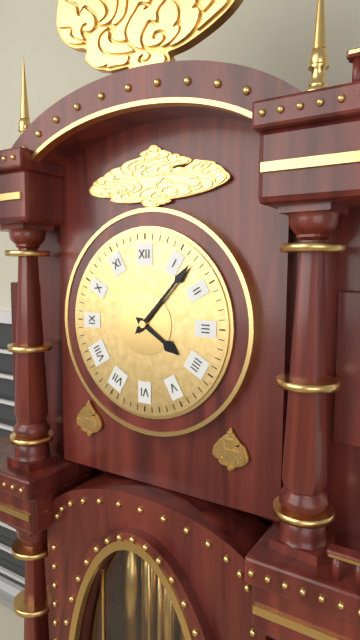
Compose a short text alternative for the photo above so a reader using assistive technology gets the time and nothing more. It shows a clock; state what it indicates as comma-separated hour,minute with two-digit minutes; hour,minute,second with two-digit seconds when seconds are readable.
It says 4,07
